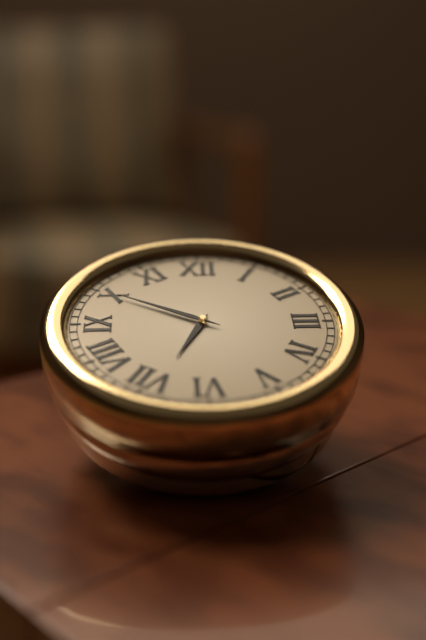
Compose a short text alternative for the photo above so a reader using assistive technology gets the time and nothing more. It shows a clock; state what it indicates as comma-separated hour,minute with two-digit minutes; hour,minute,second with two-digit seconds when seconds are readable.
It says 6,50
